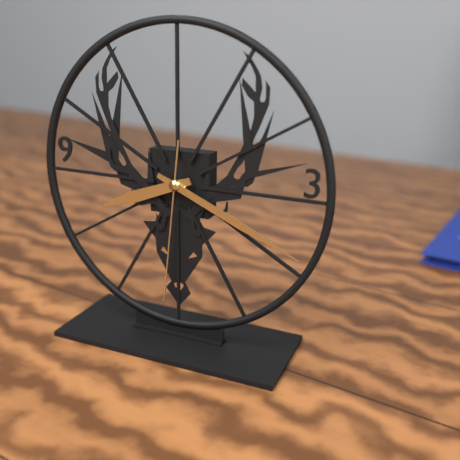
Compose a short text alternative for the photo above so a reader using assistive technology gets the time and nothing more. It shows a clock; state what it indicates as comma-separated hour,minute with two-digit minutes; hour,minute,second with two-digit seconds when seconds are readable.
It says 8,19,31
